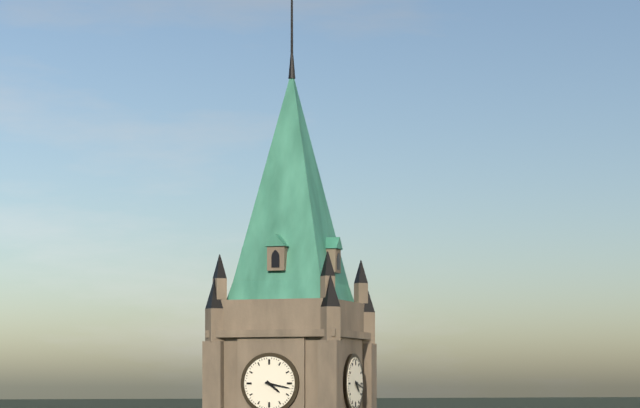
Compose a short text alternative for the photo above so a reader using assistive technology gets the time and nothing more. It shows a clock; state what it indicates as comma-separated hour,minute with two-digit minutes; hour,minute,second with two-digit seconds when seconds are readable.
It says 4,17
